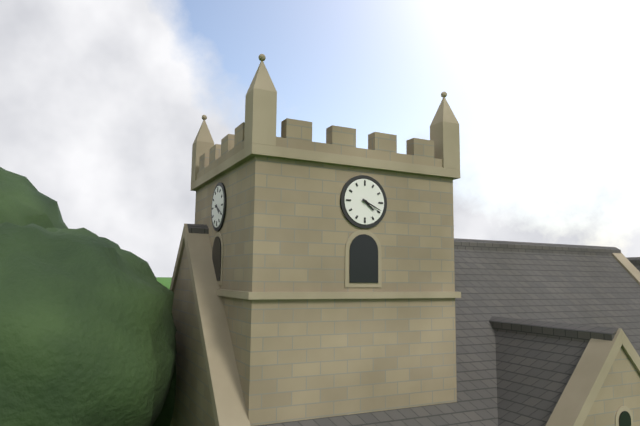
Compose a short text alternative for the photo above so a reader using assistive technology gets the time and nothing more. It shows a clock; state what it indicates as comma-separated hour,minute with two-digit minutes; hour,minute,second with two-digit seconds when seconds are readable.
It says 4,19
